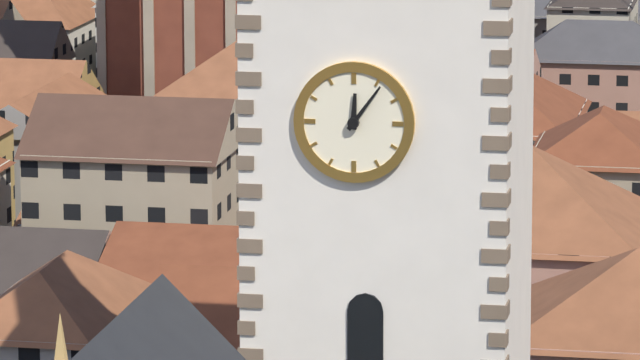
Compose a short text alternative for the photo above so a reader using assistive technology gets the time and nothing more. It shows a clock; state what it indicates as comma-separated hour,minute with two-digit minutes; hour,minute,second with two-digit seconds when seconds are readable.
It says 12,06
